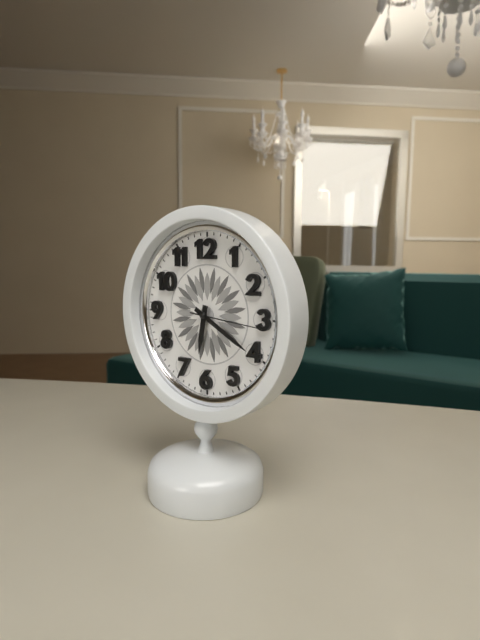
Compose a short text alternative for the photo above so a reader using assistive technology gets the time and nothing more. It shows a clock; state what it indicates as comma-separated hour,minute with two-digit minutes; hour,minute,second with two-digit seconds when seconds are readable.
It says 6,20,16
